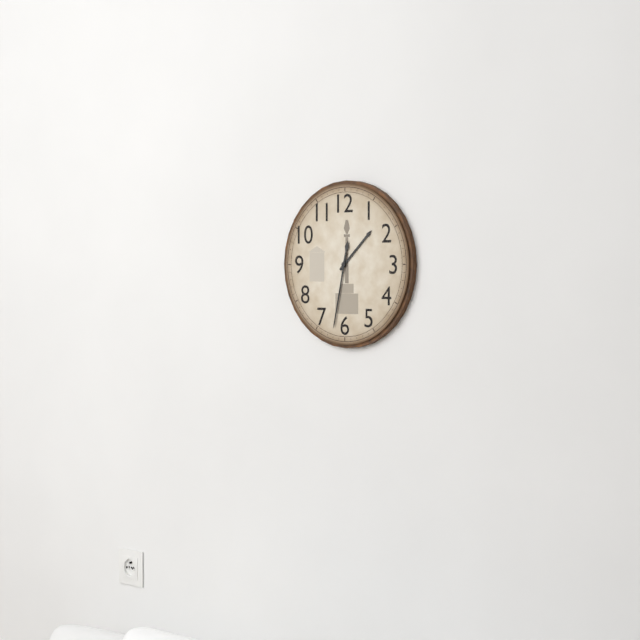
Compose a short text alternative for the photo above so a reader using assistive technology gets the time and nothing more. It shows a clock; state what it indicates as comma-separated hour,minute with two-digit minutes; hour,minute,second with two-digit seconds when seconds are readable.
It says 1,32
